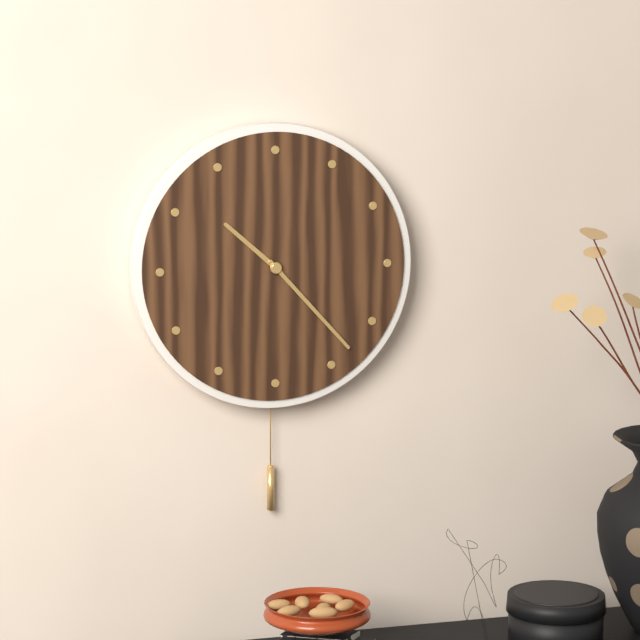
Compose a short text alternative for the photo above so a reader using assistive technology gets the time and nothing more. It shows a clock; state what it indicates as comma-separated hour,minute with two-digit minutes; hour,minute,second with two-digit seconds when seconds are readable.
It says 10,23
